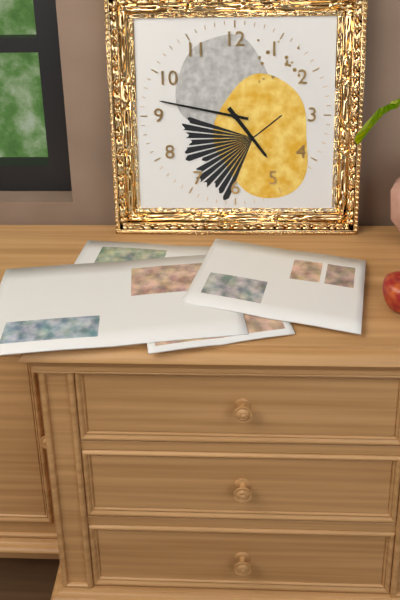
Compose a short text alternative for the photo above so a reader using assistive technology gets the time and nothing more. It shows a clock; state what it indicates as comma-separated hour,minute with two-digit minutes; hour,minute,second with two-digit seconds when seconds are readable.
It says 4,47
